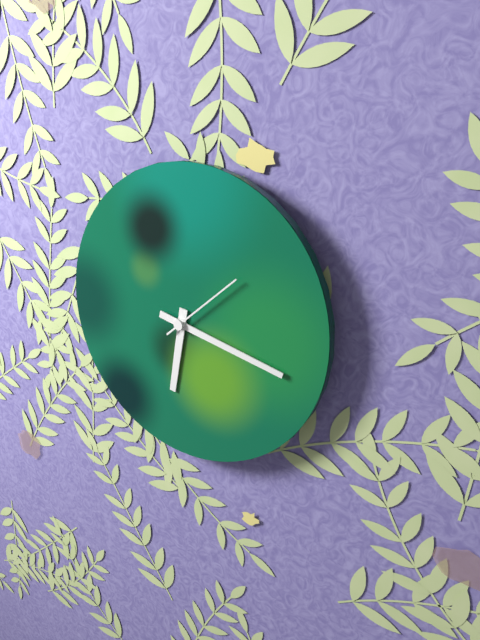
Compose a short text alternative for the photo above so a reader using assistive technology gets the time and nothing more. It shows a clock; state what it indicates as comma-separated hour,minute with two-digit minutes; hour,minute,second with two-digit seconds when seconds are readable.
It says 6,17,08
